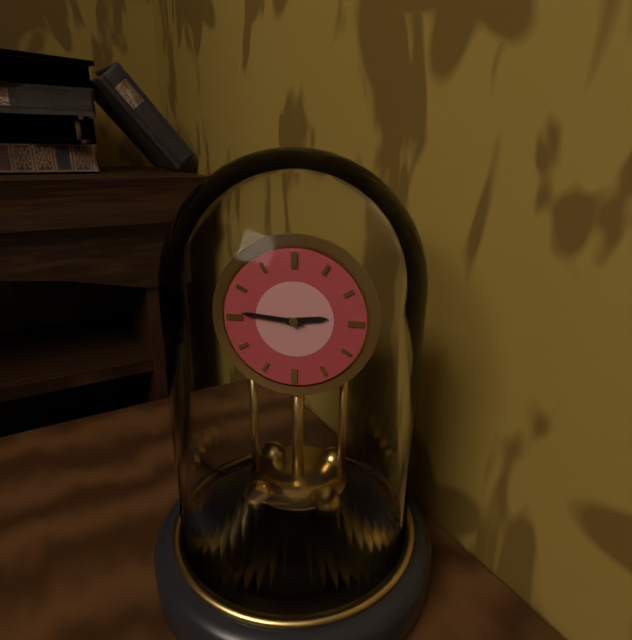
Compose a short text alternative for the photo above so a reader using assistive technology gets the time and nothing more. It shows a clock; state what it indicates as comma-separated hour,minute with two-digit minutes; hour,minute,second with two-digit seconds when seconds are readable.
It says 2,46
